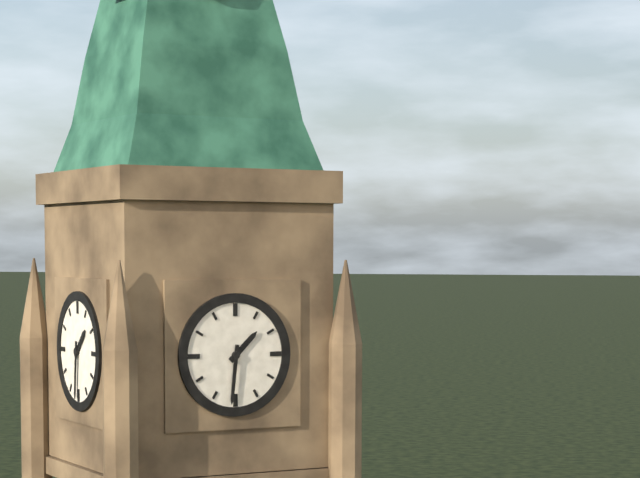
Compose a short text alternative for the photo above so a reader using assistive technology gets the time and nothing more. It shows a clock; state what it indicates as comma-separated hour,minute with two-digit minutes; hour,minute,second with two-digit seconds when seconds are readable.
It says 1,31
